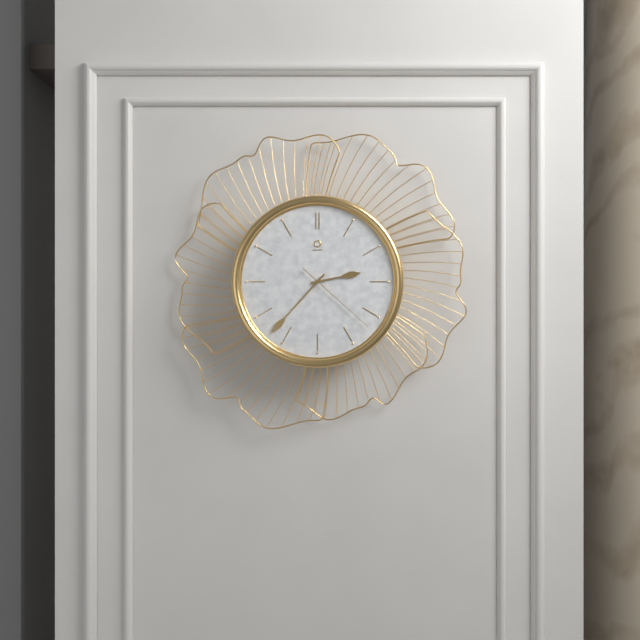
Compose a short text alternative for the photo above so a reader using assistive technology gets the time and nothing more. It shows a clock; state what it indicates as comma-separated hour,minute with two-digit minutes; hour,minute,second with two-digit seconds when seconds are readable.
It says 2,37,22
